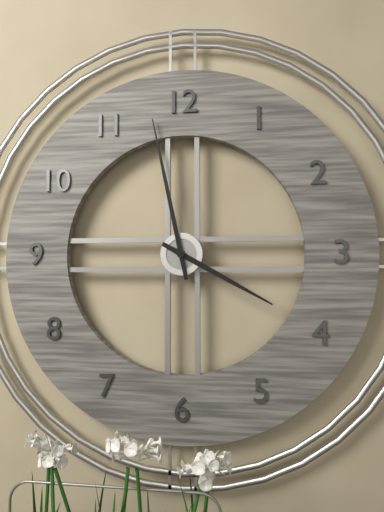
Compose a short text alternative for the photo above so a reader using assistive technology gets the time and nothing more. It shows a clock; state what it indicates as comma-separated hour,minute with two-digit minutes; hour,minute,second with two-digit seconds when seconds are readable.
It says 3,58
